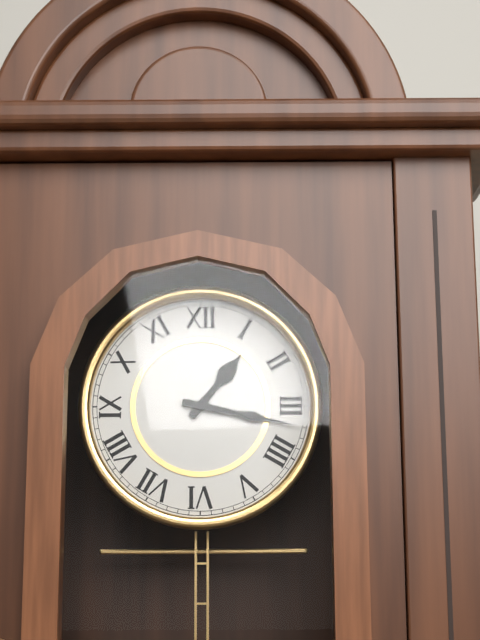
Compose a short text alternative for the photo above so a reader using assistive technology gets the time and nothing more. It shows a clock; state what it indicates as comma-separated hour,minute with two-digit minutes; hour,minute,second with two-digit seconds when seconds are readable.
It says 1,17
